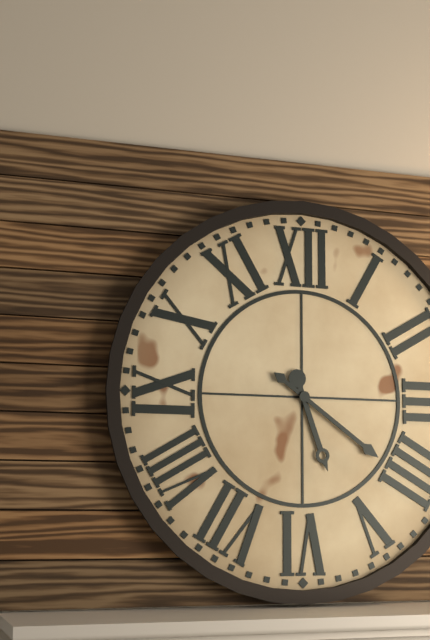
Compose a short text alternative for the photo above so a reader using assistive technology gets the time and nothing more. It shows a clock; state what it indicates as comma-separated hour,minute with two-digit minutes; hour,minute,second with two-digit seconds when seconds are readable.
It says 5,21
